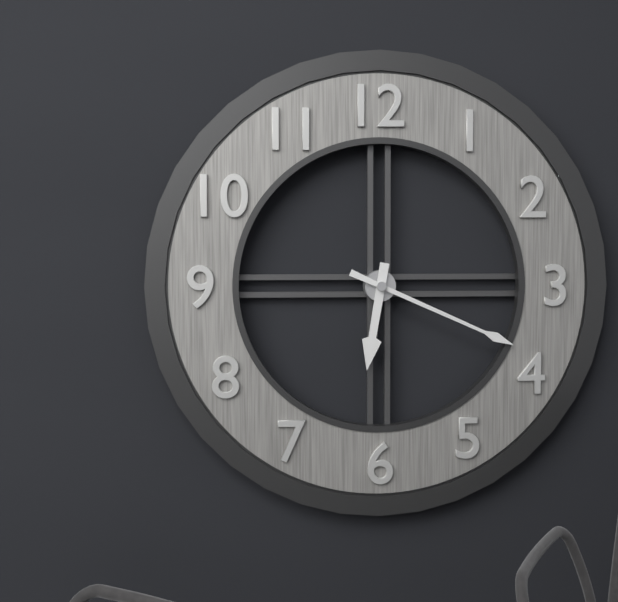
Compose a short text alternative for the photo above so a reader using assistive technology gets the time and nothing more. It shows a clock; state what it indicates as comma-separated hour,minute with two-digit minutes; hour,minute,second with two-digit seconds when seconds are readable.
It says 6,19
